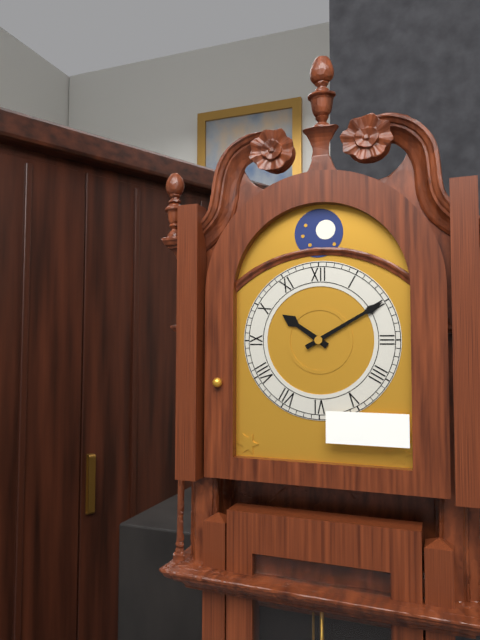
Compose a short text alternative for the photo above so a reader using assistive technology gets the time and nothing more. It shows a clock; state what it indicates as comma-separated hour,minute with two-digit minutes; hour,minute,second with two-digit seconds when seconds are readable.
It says 10,10
